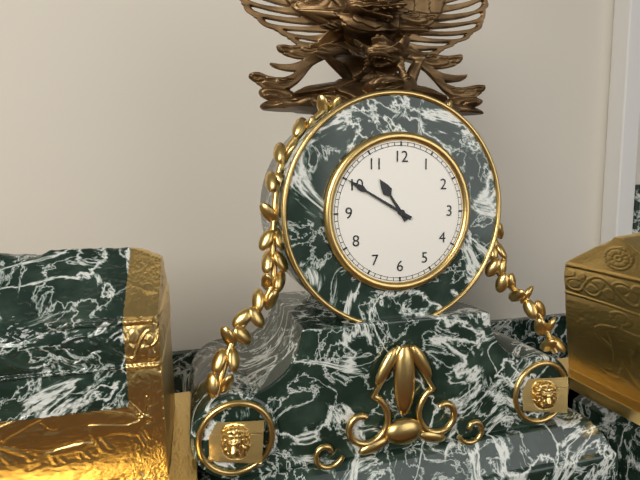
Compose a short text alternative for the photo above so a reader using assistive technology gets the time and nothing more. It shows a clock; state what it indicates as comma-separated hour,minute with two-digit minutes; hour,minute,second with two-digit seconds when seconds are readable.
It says 10,50
